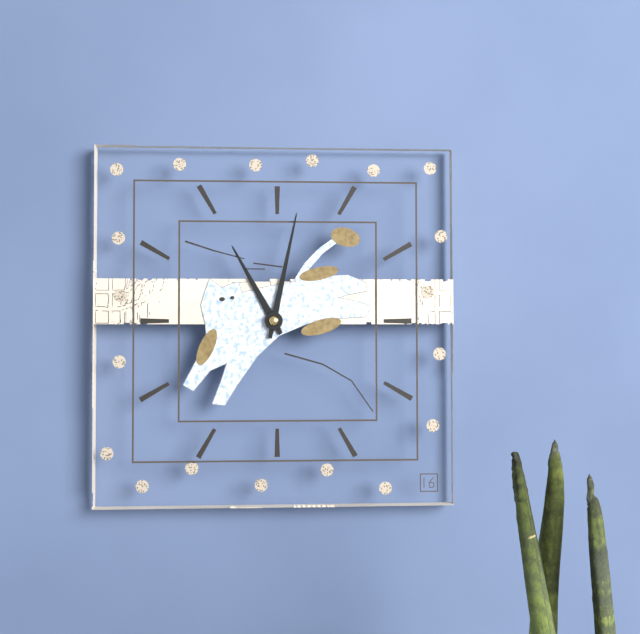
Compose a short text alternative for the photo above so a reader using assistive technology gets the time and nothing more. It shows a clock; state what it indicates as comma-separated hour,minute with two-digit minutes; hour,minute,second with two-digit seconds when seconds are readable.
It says 11,02
